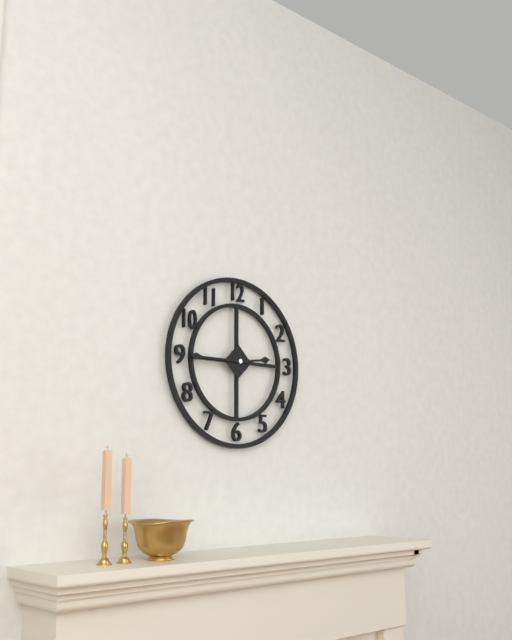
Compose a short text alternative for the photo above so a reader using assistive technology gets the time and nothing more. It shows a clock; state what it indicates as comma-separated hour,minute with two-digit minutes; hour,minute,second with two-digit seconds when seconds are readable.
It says 2,45
